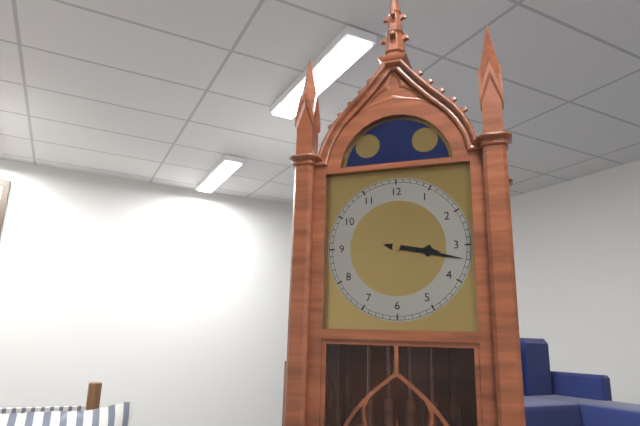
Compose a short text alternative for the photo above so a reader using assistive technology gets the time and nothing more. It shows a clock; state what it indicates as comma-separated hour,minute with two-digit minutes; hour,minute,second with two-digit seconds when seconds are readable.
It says 3,17
